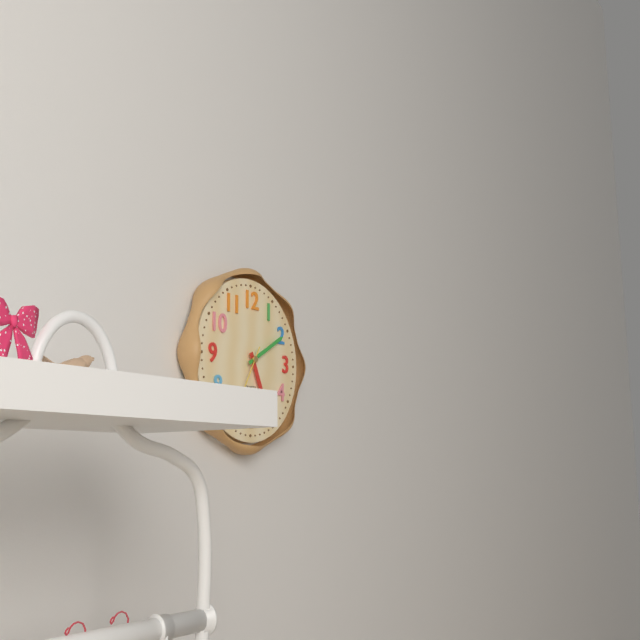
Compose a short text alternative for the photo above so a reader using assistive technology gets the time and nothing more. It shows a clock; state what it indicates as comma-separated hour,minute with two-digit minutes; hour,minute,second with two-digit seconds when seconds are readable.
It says 5,10
